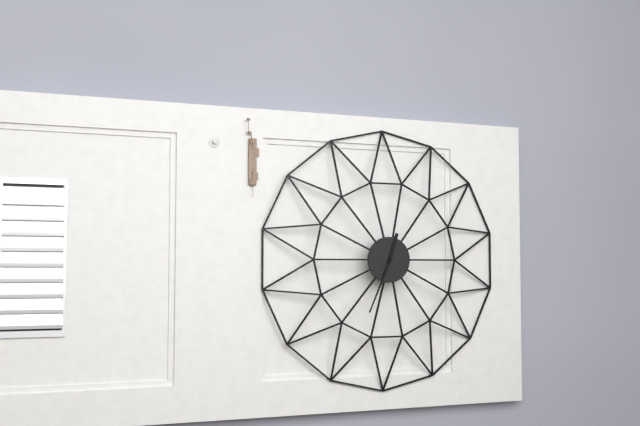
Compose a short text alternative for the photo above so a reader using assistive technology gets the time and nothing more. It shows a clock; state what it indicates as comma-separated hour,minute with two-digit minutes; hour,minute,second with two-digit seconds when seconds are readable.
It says 12,34
